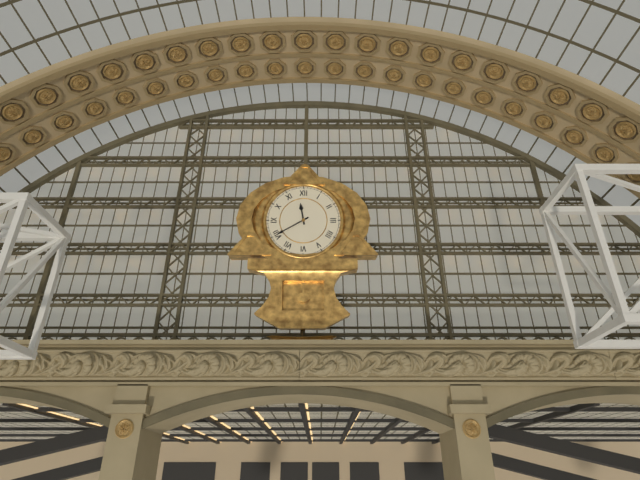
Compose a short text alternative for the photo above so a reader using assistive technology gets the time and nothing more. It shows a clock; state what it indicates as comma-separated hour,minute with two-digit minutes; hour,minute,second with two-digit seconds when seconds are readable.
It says 11,40
